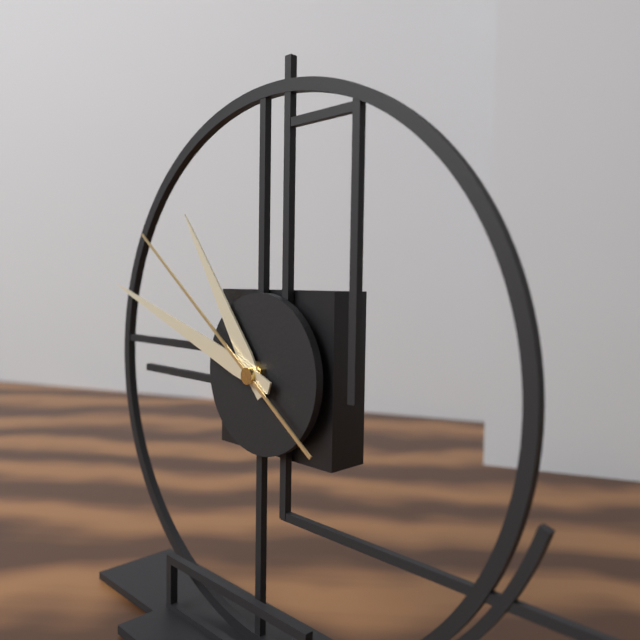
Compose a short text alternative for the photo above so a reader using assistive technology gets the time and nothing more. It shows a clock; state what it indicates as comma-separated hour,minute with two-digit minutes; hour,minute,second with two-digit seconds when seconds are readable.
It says 10,48,51
